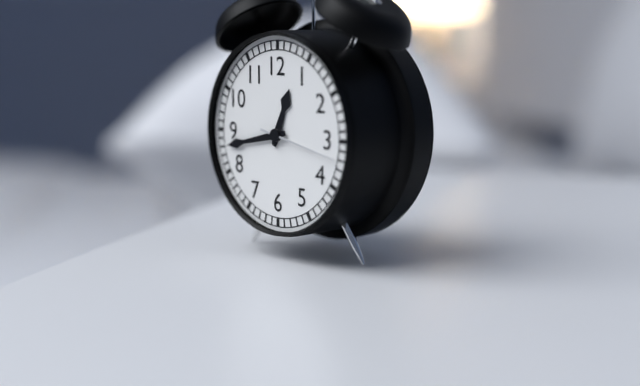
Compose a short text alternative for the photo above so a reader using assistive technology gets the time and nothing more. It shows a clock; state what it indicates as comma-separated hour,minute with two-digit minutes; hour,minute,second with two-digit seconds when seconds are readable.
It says 12,43,17
